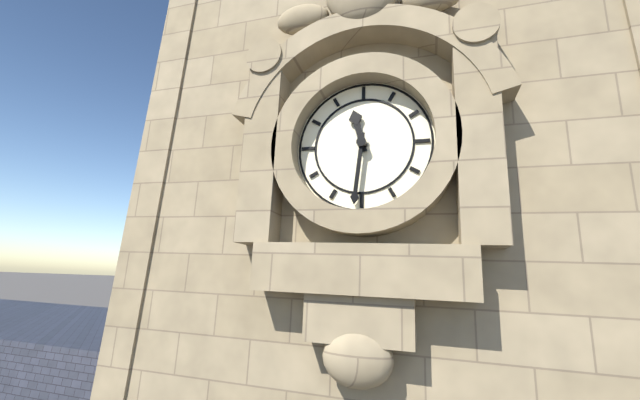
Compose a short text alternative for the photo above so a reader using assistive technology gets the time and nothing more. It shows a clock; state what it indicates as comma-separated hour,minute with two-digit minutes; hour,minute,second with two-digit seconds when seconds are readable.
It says 11,31
